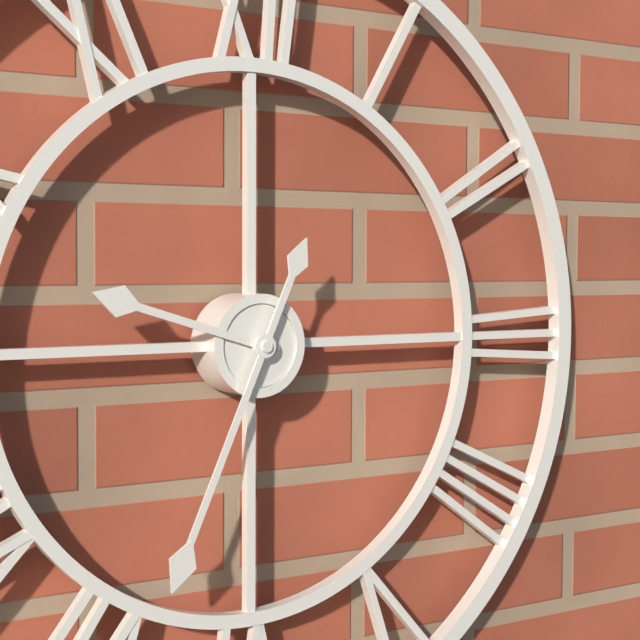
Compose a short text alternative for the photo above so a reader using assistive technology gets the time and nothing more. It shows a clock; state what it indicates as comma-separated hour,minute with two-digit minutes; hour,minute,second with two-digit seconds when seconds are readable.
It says 9,34
